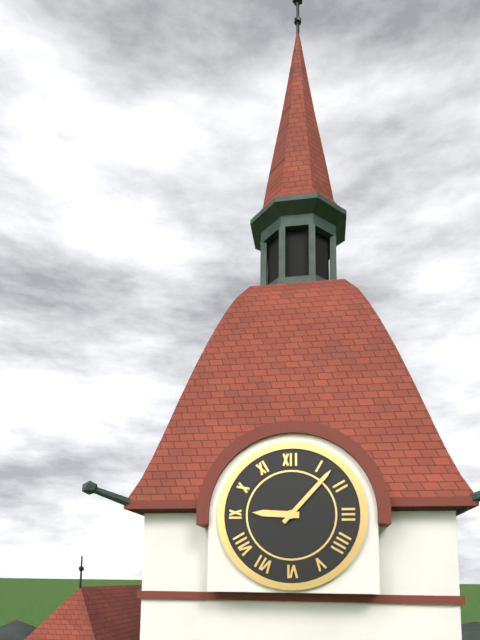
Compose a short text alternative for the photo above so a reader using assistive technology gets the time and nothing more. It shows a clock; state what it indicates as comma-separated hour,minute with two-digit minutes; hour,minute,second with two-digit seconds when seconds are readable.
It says 9,07
